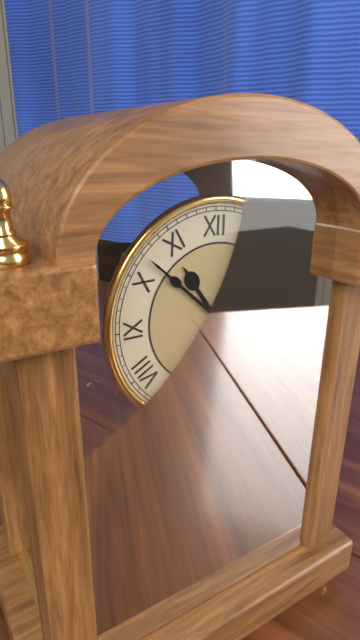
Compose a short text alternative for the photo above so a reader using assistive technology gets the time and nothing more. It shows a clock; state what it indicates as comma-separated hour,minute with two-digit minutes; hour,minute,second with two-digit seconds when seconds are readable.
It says 10,52
